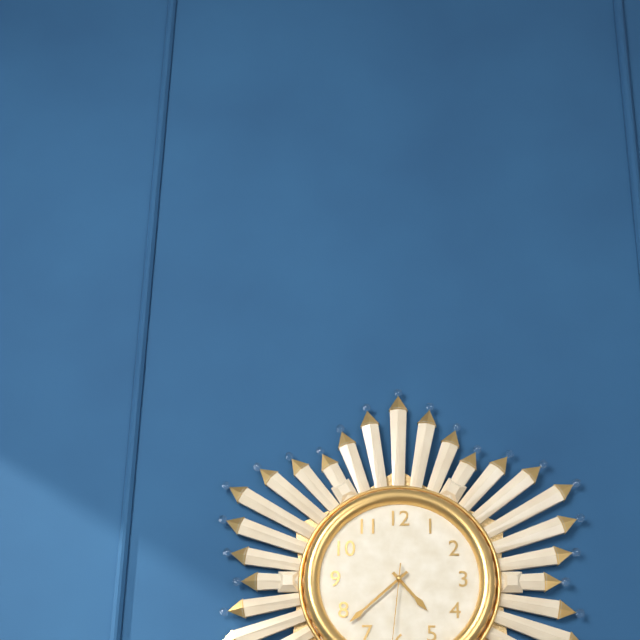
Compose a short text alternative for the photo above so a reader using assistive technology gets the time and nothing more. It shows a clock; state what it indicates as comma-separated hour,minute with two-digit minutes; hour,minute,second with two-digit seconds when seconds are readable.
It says 4,38
